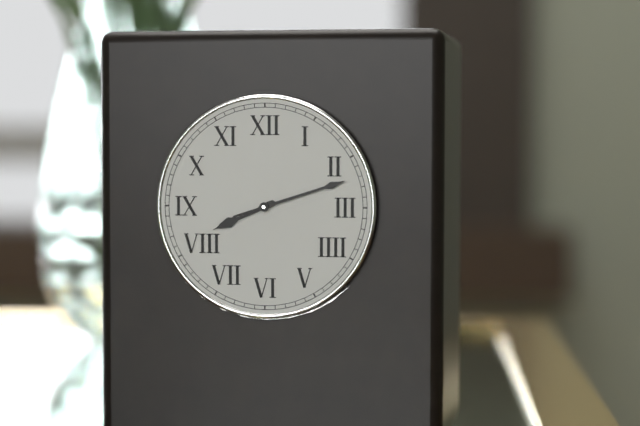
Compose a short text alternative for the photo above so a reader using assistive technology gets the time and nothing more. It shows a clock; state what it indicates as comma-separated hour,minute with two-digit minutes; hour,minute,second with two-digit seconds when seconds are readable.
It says 8,12
